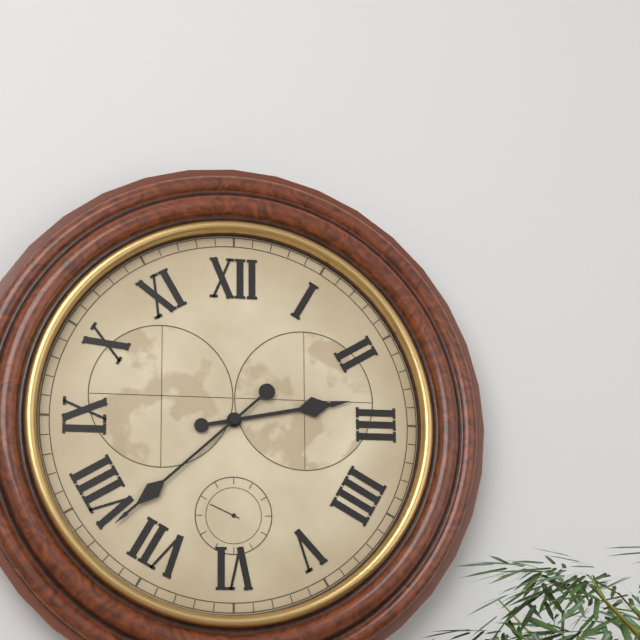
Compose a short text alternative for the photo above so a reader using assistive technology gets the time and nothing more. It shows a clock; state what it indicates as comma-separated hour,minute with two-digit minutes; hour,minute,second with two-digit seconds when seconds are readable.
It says 2,38
